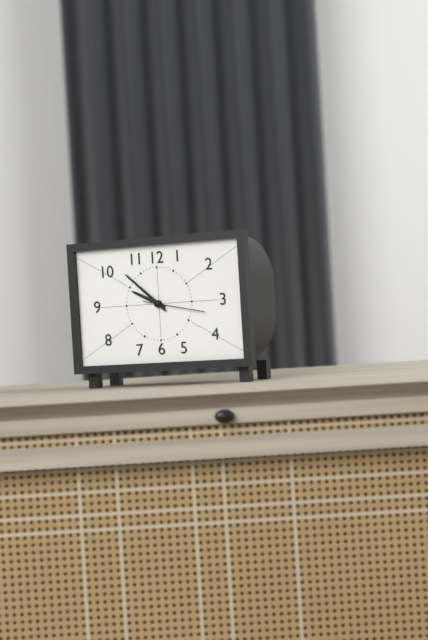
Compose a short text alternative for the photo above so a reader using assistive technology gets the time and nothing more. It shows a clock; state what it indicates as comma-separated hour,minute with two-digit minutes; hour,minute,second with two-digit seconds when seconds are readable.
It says 9,52,17
